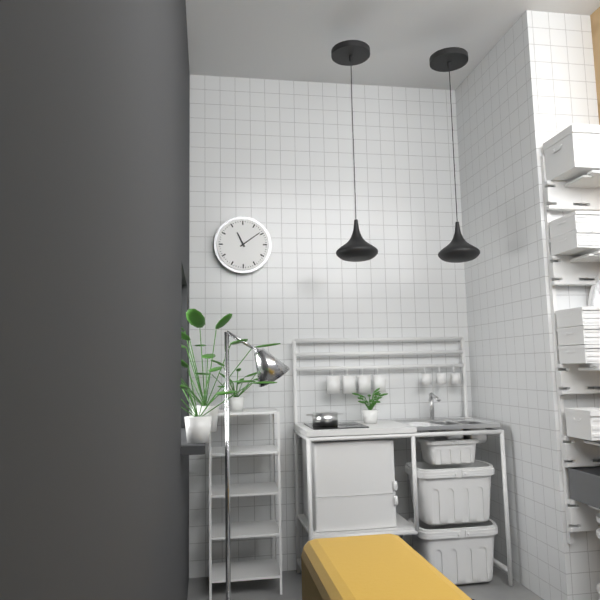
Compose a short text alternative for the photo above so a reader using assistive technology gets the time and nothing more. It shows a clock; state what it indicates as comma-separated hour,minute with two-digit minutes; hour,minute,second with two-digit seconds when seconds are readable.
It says 11,09
